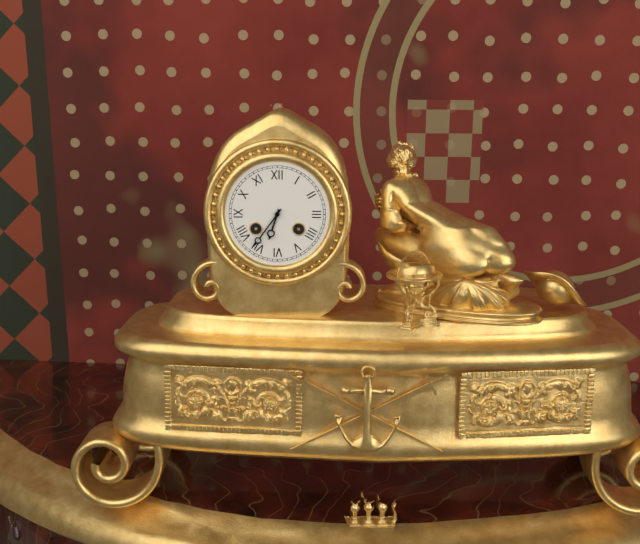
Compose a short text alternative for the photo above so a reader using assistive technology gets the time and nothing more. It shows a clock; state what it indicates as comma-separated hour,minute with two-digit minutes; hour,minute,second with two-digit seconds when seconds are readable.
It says 6,36
